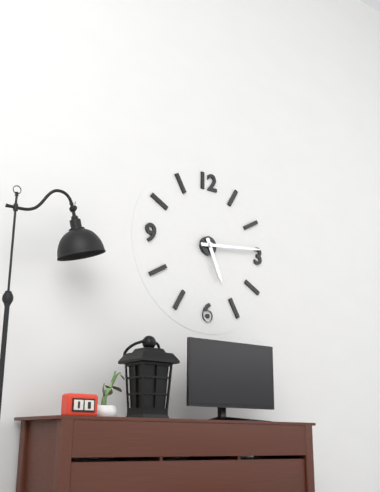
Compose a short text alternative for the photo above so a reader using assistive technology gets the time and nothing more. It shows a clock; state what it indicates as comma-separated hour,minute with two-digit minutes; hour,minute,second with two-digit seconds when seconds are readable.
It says 5,14
